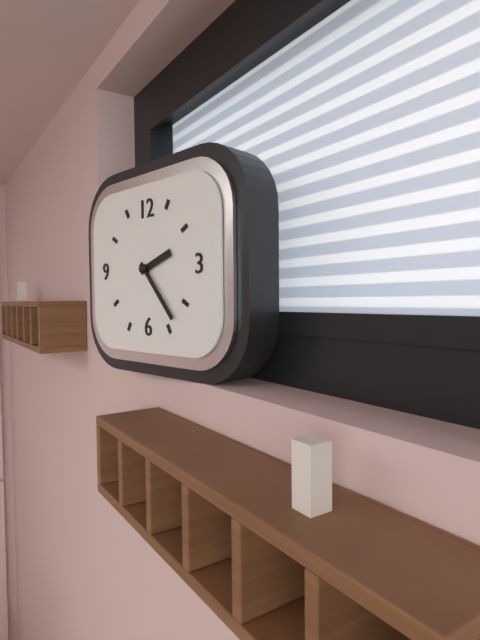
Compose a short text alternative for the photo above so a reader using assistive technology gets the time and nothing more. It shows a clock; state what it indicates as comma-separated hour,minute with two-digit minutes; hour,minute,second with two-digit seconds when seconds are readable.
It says 2,23
